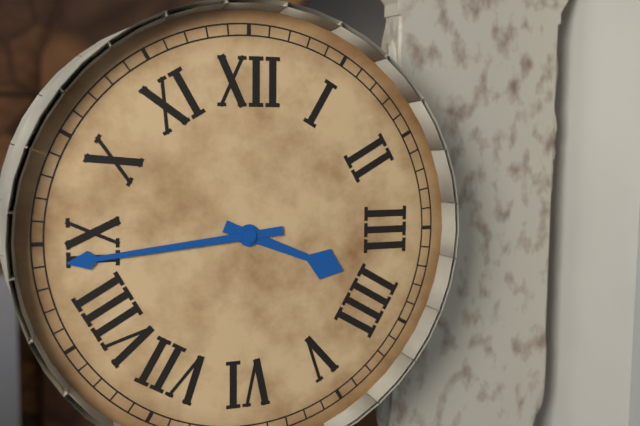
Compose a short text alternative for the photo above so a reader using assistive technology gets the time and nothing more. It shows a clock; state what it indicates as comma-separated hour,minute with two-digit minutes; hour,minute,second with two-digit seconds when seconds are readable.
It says 3,44
